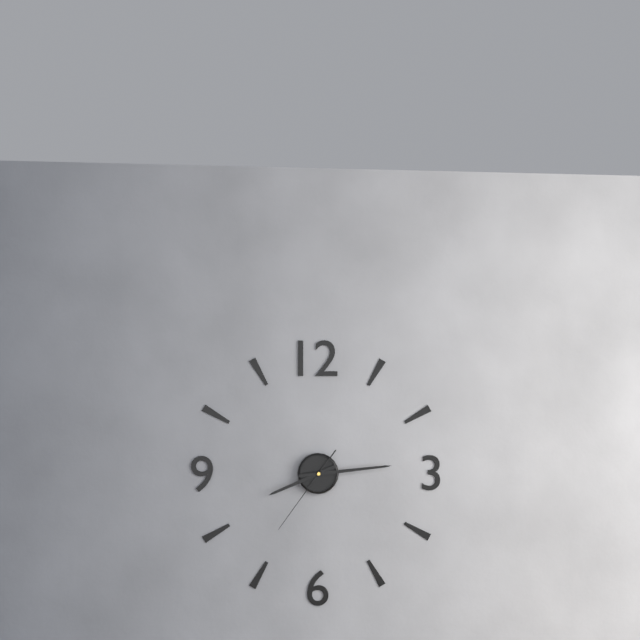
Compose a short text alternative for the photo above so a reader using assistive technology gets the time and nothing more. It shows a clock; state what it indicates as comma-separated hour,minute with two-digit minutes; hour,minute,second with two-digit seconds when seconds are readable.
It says 8,14,36
